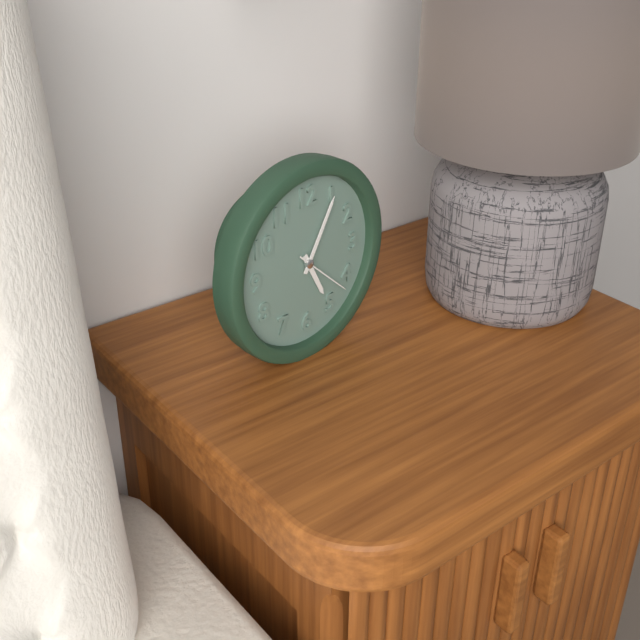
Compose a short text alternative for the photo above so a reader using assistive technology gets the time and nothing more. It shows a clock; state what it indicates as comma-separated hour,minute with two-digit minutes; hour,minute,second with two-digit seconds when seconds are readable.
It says 5,05,22
